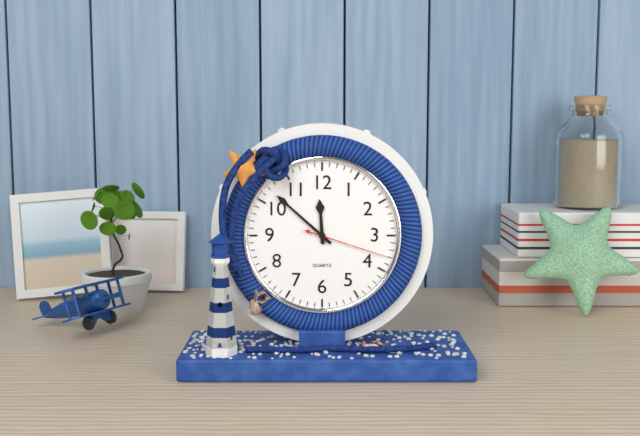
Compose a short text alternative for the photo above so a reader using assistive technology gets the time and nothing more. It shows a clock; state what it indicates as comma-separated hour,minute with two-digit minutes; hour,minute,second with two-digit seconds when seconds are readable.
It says 11,52,18
